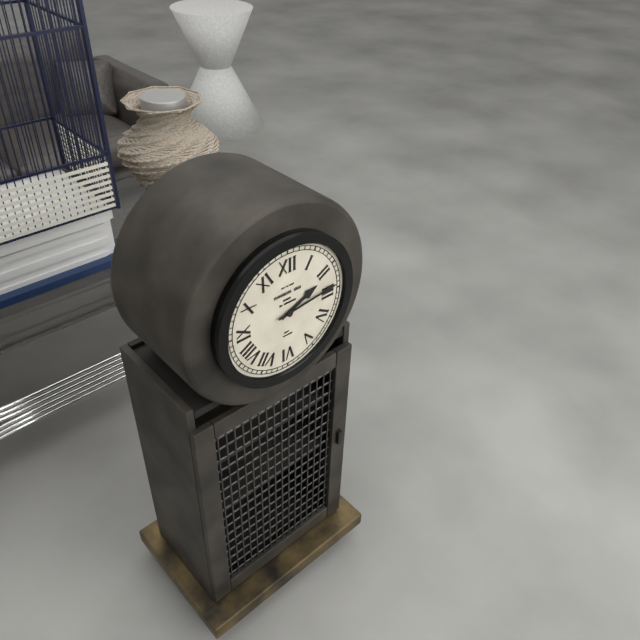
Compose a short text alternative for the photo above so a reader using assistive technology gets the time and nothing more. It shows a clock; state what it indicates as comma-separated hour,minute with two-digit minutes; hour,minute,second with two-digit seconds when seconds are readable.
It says 2,14
